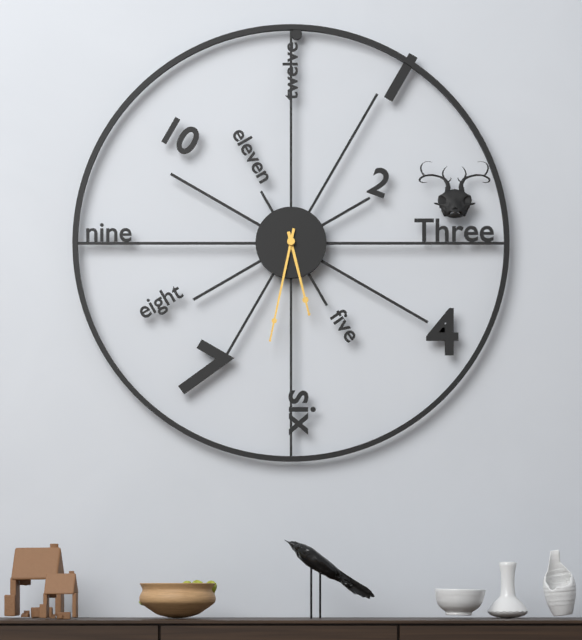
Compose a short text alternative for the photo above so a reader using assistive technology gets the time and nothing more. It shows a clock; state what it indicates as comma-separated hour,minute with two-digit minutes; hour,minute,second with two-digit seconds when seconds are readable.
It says 5,32
